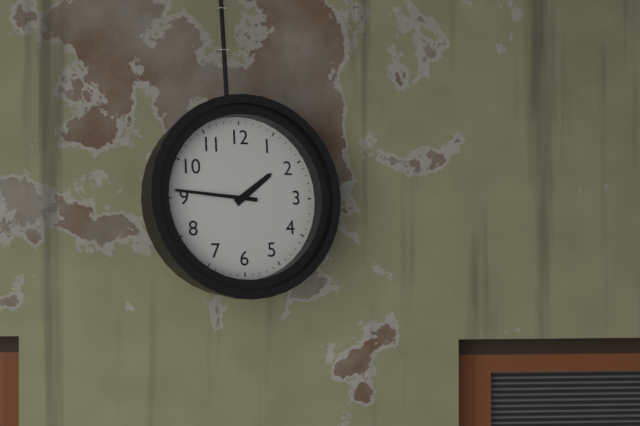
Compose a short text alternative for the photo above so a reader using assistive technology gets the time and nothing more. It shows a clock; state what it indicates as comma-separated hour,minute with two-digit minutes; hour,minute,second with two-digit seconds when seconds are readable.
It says 1,46
